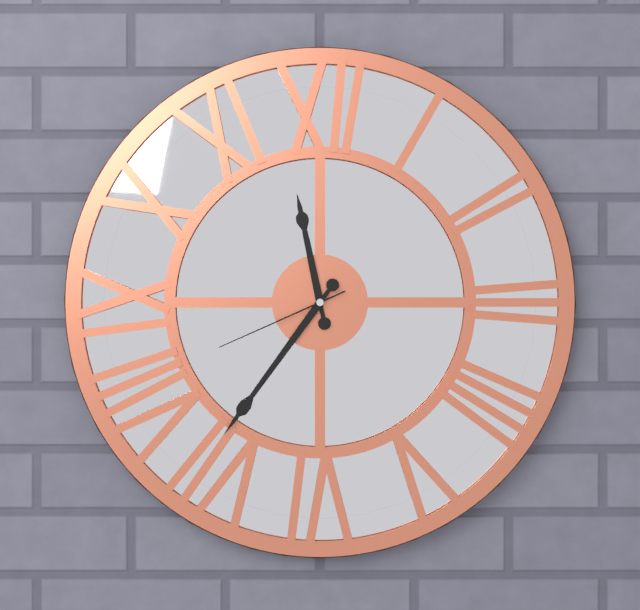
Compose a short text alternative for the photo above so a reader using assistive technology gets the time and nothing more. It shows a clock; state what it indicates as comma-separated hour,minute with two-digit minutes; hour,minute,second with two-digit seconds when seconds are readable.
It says 11,36,41
